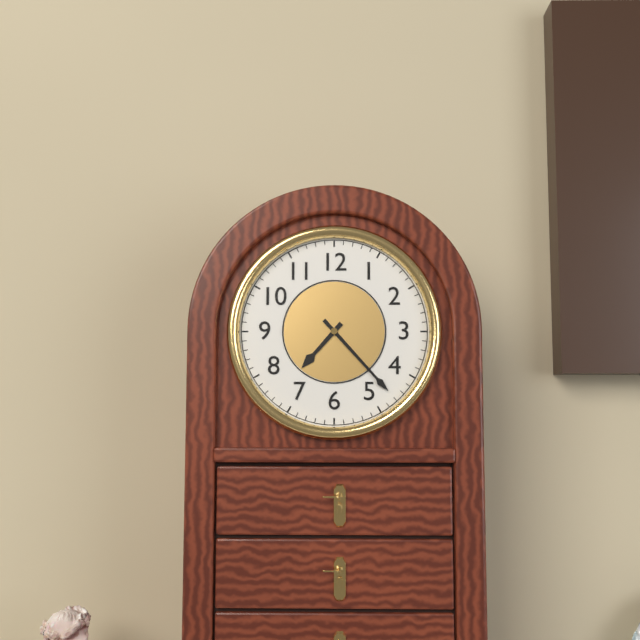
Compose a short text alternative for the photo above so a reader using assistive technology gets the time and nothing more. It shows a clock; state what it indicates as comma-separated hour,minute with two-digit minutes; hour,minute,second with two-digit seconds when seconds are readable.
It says 7,23
